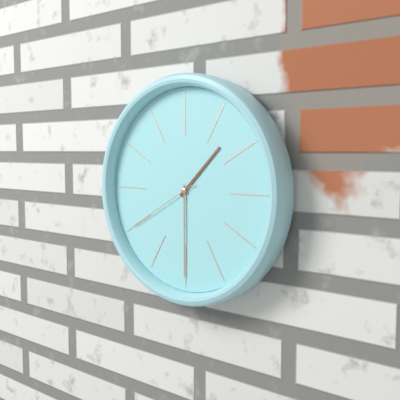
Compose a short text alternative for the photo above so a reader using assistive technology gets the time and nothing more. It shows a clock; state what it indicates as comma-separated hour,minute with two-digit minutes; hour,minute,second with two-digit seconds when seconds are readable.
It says 1,30,40
